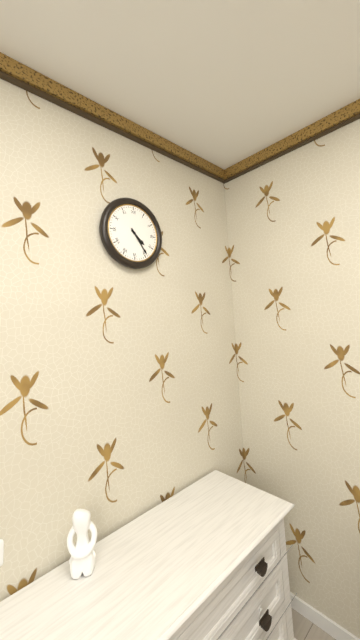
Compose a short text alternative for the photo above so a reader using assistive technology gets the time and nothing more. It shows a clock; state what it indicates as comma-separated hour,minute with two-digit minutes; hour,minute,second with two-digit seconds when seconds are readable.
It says 4,24
